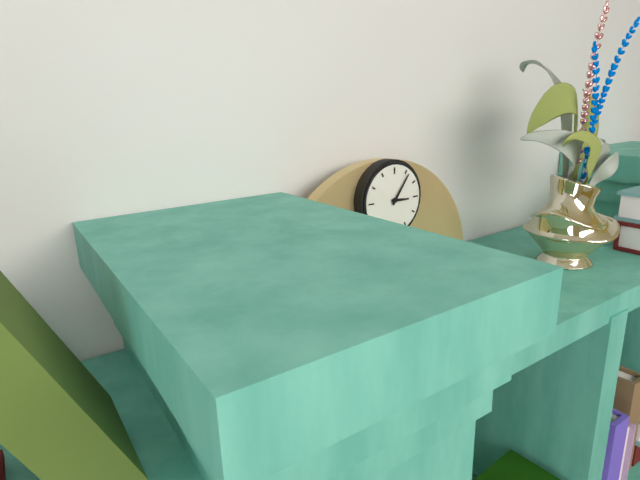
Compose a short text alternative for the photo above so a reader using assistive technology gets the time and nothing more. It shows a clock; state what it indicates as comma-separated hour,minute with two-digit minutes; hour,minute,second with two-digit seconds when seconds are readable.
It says 3,06
